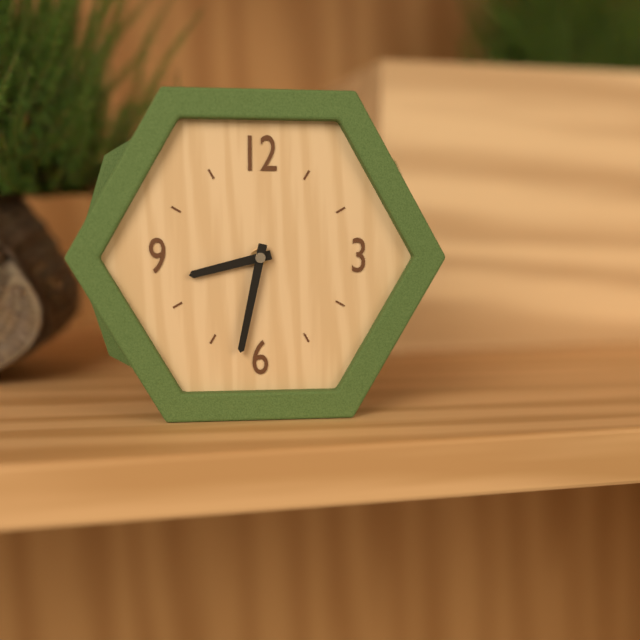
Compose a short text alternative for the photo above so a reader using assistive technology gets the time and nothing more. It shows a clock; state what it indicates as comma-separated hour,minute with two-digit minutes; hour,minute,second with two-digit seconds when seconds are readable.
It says 8,32
